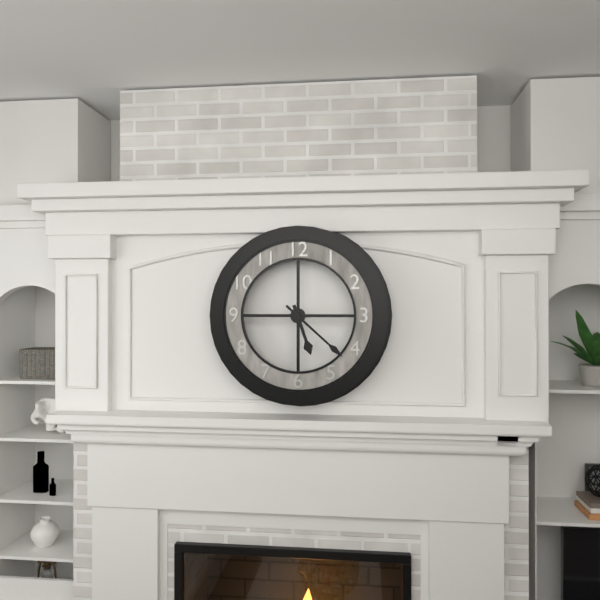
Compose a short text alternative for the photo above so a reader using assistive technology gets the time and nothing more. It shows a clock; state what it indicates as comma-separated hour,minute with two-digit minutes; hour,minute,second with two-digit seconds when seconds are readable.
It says 5,22
